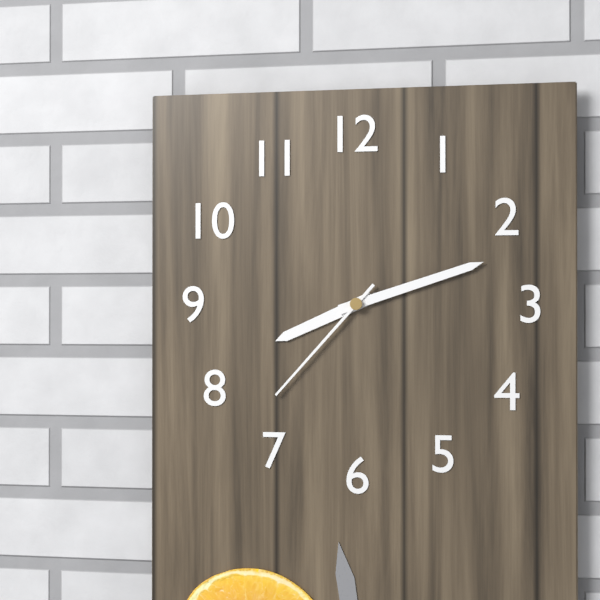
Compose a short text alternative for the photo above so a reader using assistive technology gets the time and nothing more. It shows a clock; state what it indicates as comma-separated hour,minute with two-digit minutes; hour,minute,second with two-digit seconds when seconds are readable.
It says 8,12,37
